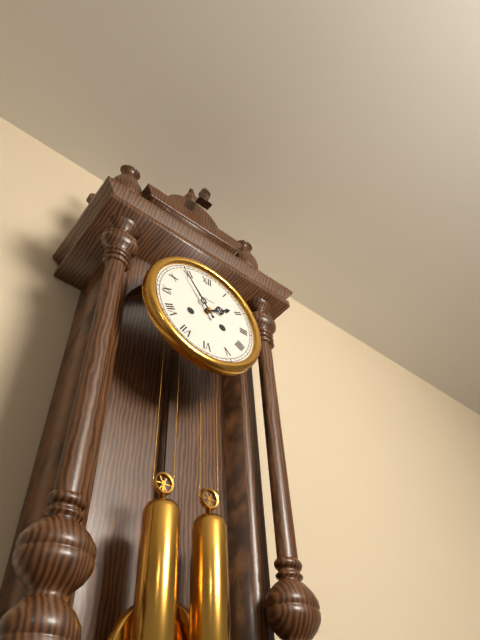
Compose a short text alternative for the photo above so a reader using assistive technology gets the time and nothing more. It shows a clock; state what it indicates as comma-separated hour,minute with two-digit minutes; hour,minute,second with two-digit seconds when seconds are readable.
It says 1,54
